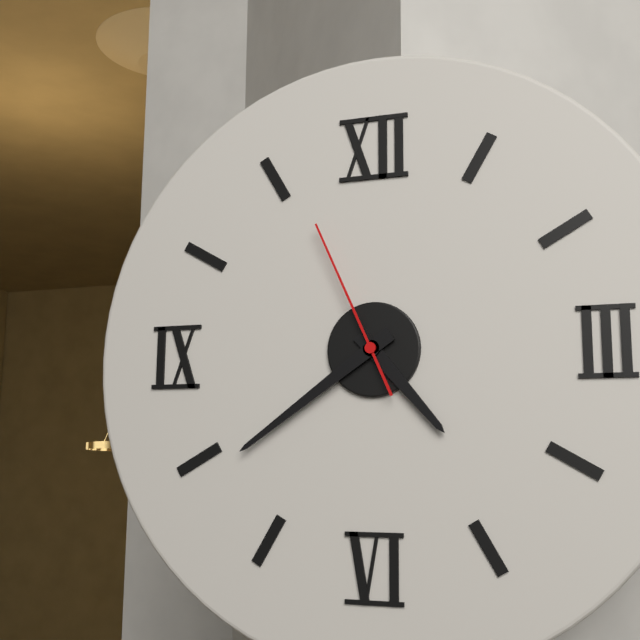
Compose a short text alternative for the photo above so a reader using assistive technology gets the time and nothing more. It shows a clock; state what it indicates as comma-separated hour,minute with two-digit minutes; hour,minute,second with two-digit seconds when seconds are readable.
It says 4,39,56
